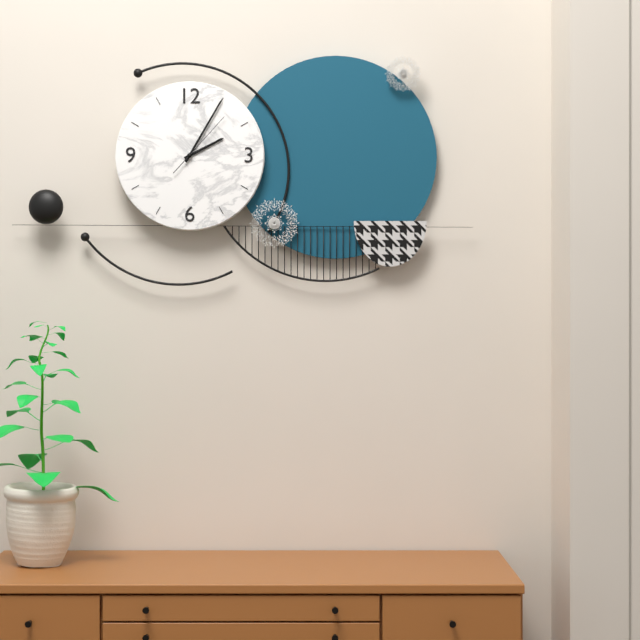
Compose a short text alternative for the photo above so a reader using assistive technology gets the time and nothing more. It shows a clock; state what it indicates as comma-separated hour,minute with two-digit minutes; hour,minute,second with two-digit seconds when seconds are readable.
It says 2,05,07
